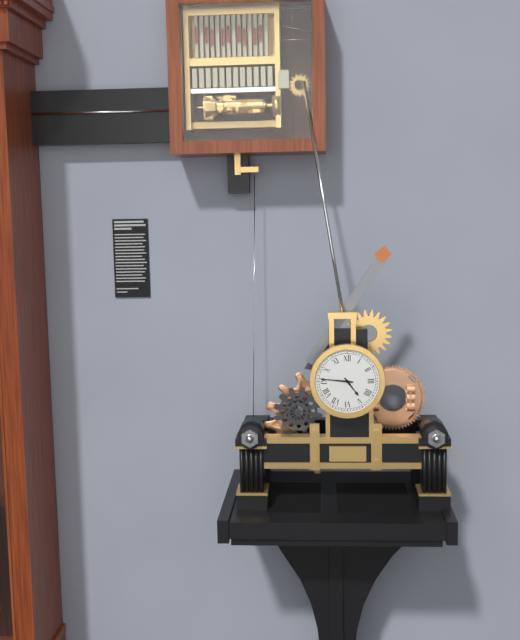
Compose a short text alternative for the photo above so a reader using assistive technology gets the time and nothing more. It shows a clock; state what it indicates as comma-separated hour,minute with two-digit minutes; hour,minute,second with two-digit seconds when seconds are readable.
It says 4,46
